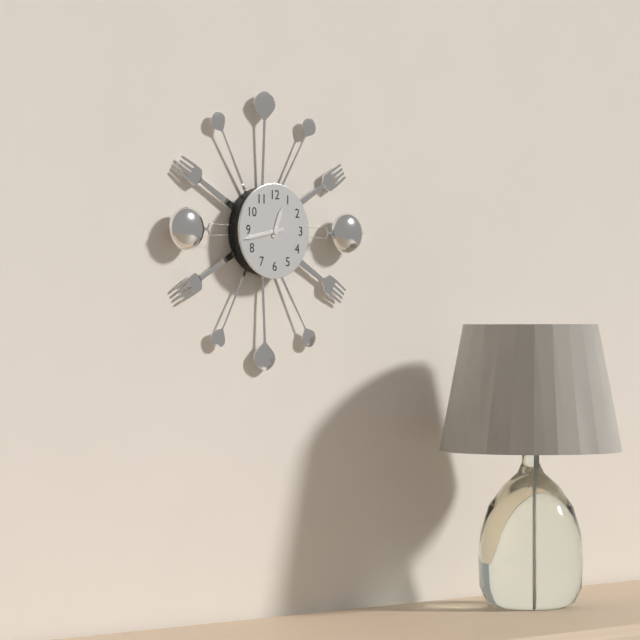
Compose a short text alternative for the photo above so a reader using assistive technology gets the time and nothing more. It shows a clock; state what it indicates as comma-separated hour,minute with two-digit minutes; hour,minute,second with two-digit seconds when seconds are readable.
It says 12,43
